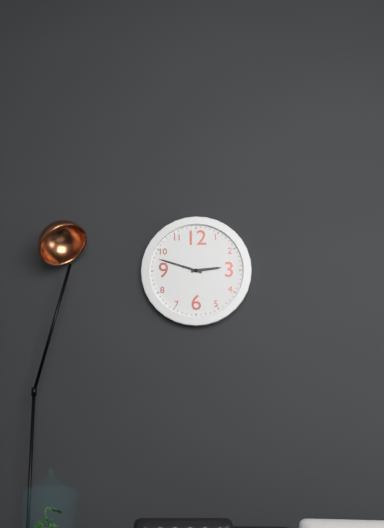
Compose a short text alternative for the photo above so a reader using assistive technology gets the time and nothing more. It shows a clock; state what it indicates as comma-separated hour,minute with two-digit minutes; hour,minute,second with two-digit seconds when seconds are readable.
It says 2,48
